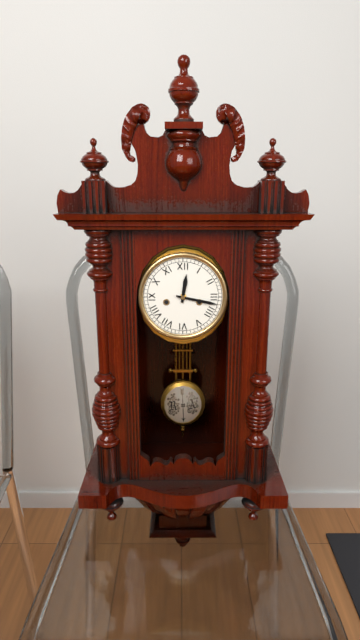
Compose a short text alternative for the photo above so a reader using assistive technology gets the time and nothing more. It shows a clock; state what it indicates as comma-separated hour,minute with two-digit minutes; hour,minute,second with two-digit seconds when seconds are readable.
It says 12,17
